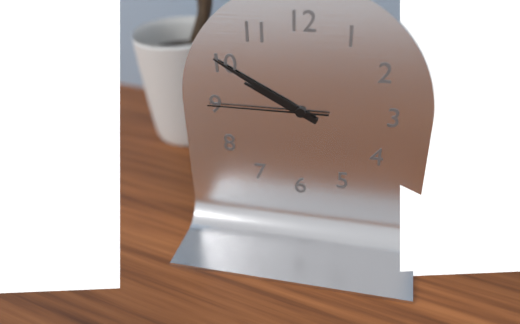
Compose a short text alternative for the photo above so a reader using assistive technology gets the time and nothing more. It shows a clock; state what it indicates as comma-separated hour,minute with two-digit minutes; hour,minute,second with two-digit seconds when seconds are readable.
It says 9,50,45
